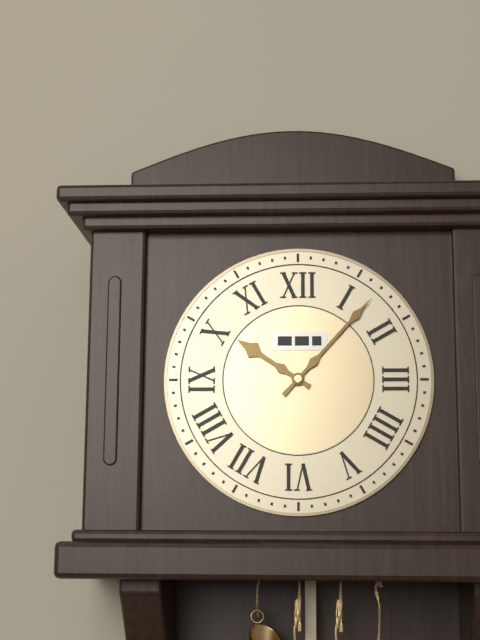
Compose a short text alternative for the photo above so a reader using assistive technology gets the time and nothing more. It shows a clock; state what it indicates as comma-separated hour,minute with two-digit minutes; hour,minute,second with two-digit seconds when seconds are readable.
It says 10,07
